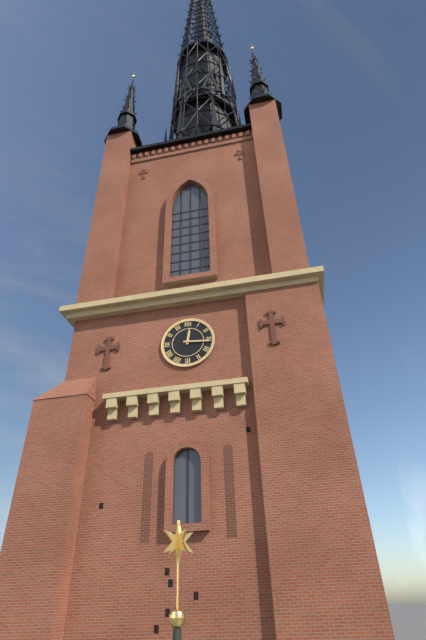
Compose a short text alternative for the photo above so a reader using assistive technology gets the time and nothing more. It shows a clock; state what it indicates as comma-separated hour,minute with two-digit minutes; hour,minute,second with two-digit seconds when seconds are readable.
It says 12,16
